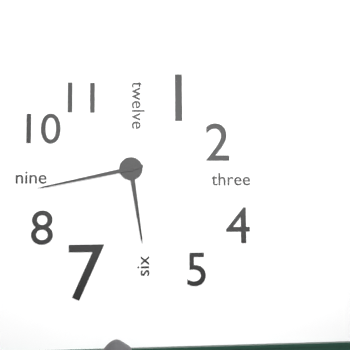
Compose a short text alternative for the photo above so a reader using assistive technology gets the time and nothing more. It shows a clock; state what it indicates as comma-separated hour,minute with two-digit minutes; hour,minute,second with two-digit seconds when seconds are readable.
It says 5,43
